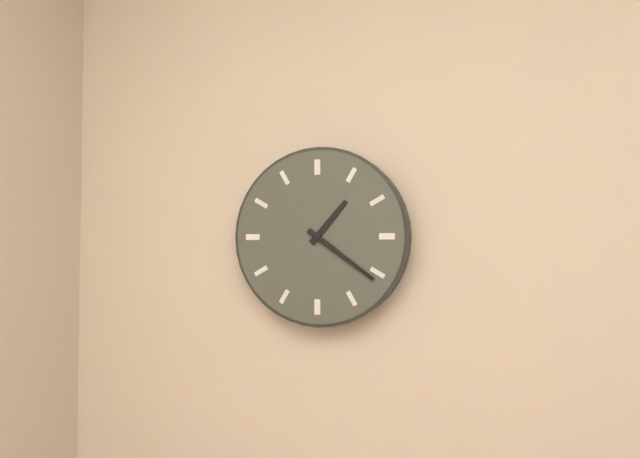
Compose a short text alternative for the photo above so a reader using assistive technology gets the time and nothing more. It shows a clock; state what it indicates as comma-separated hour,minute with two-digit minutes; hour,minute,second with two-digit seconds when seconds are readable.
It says 1,21
